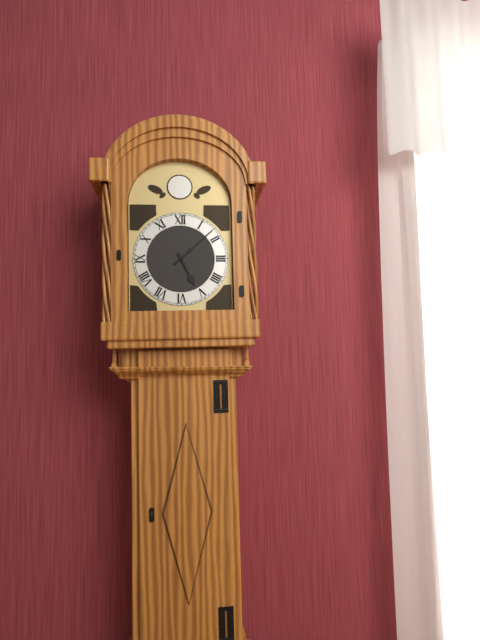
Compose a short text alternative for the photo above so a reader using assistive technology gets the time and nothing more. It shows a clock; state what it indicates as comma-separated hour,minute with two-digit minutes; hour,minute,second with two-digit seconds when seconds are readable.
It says 5,08
